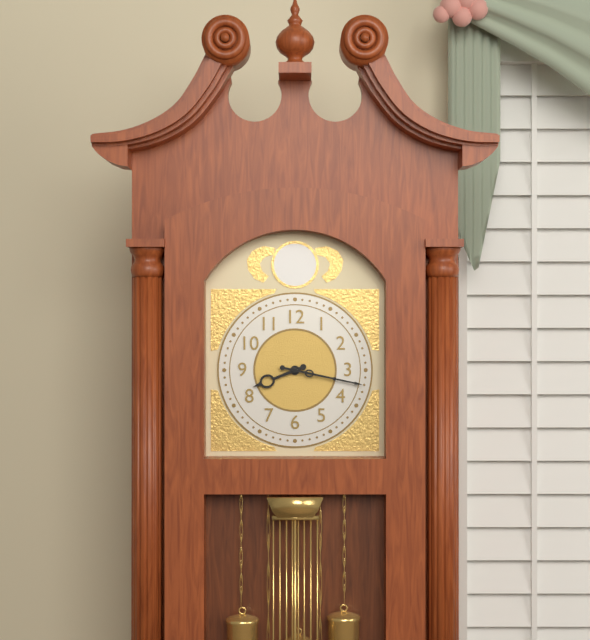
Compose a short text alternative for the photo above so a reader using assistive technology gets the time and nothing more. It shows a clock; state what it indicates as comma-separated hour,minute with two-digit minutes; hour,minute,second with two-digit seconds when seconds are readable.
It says 8,17
